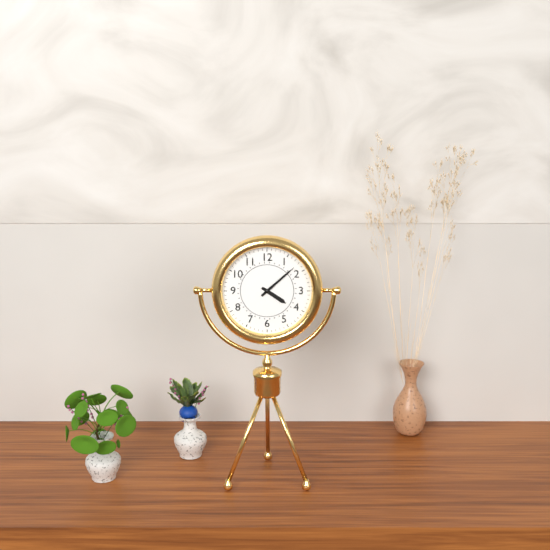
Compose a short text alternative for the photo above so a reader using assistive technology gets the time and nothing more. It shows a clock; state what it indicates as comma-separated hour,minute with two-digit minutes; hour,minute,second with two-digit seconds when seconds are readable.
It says 4,08
